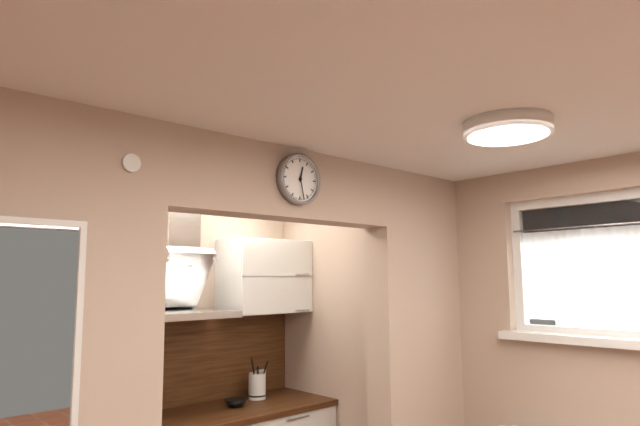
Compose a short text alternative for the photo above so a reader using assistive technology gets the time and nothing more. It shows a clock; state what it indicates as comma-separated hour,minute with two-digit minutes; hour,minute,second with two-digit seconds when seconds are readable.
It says 12,28
